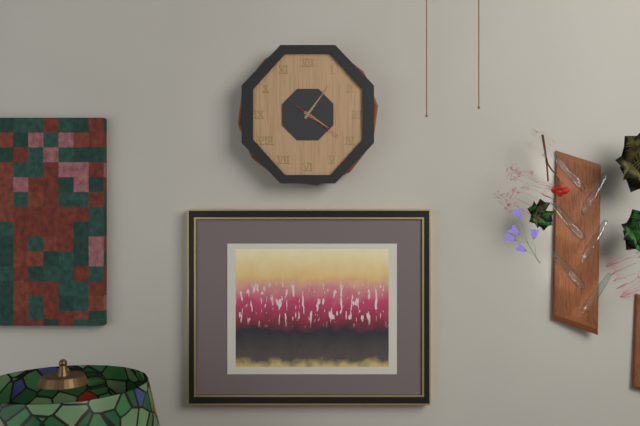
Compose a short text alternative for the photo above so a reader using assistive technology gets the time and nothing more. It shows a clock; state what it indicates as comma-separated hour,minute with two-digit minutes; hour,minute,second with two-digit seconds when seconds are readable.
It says 4,06
